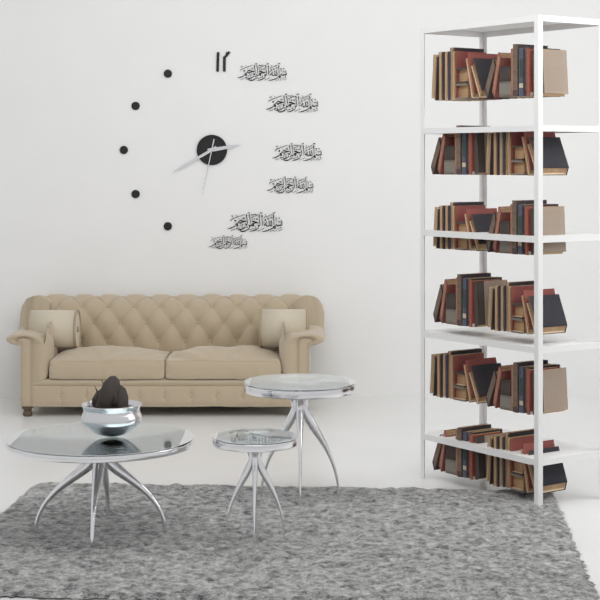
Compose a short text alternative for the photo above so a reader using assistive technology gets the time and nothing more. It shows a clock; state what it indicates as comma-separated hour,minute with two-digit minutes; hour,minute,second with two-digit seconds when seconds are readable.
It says 2,40,32
